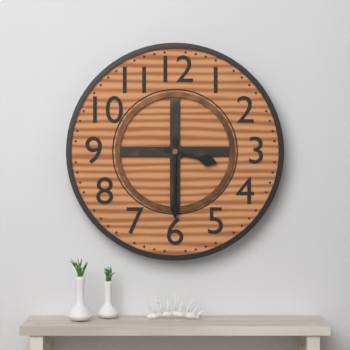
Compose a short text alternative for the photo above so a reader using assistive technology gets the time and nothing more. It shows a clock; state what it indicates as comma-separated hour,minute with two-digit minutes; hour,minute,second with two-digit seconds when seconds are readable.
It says 3,30
